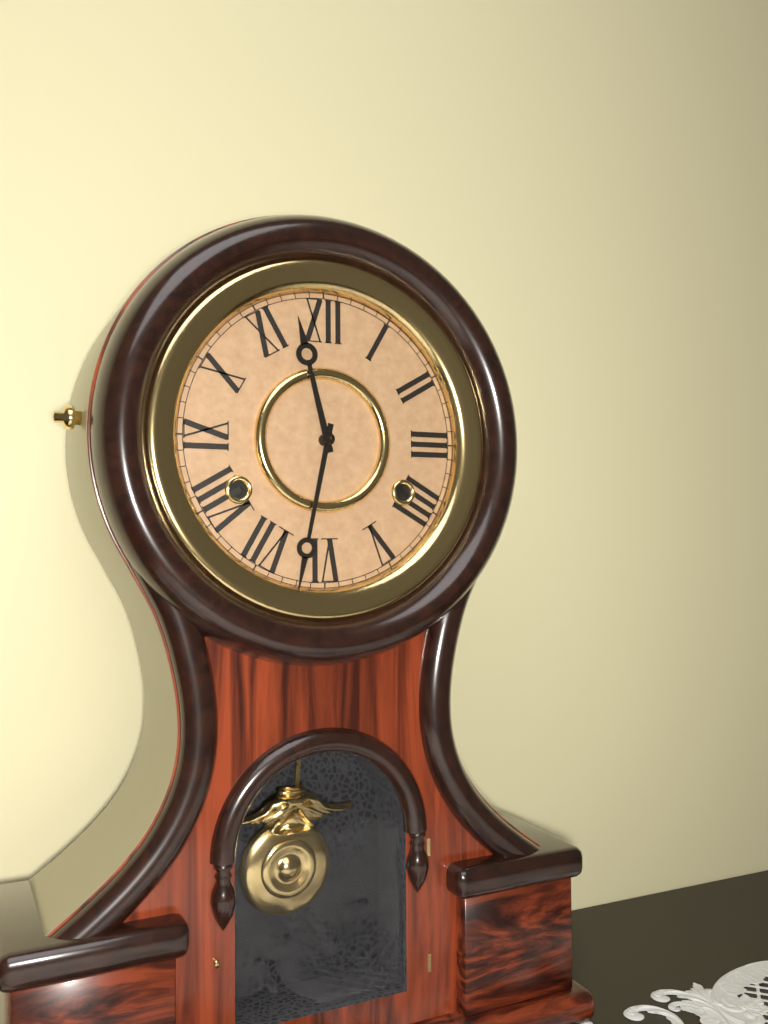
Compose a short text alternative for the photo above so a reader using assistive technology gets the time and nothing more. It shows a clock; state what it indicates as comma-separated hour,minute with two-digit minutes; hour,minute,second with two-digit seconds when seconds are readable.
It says 11,32
